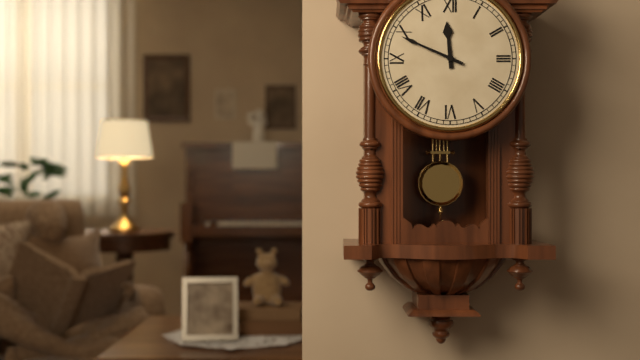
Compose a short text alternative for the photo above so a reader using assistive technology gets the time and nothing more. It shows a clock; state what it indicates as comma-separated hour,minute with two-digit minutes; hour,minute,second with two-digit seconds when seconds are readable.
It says 11,49
